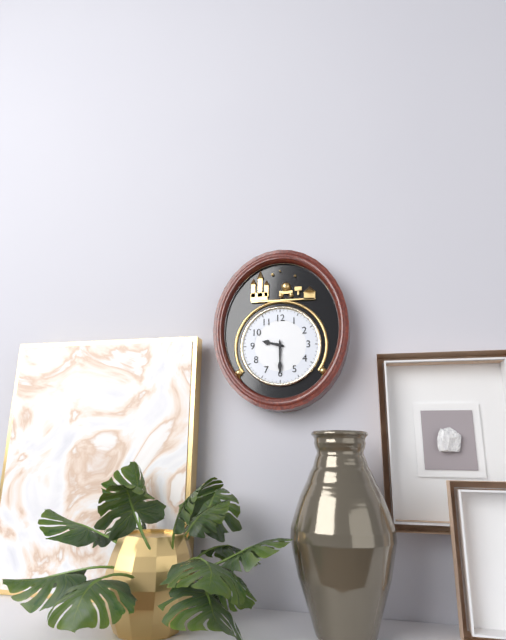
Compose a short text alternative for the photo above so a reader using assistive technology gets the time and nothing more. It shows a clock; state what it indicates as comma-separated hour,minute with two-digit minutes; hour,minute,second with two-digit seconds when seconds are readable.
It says 9,30
